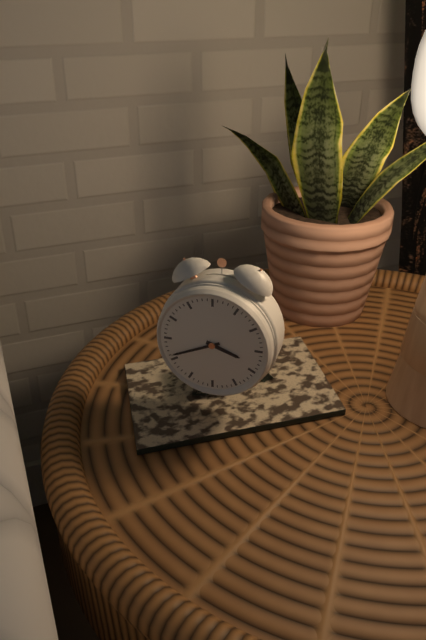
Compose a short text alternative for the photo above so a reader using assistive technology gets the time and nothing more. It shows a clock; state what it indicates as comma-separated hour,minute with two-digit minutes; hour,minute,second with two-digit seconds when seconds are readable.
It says 3,41
